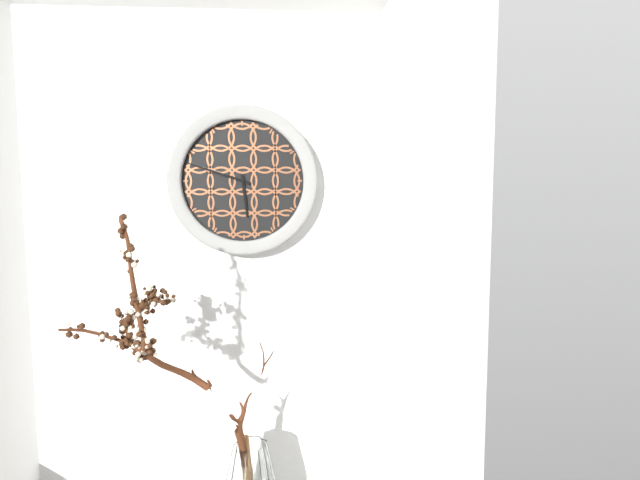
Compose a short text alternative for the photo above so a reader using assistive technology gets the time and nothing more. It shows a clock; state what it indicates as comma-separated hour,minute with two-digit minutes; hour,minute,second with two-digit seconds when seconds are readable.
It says 5,48
